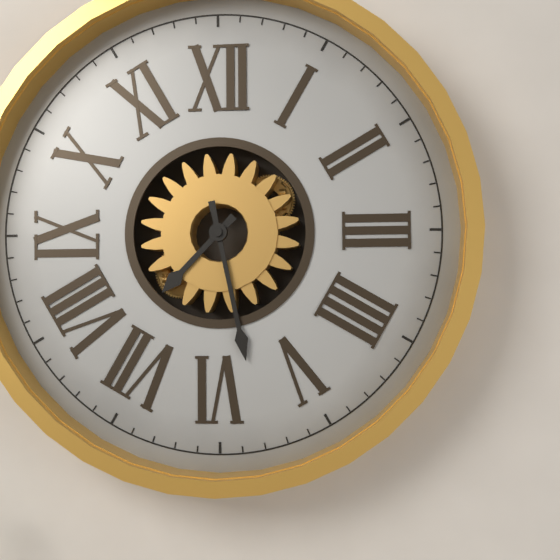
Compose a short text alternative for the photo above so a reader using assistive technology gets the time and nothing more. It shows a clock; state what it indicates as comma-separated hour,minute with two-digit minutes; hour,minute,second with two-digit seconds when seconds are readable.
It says 7,28
